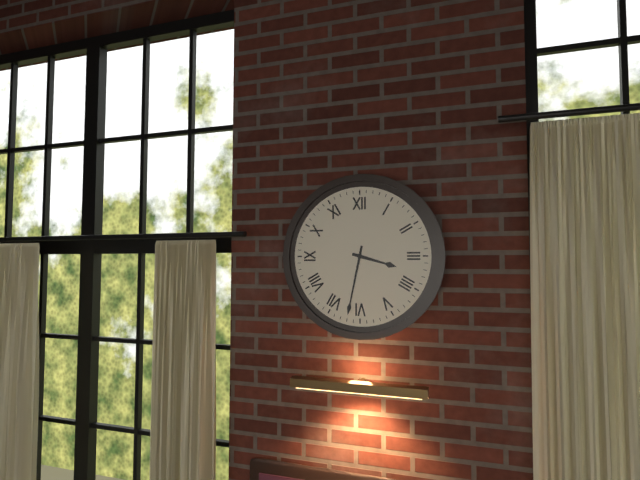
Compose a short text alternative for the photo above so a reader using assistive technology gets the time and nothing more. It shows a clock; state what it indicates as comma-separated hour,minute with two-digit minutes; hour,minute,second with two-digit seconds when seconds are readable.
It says 3,32
